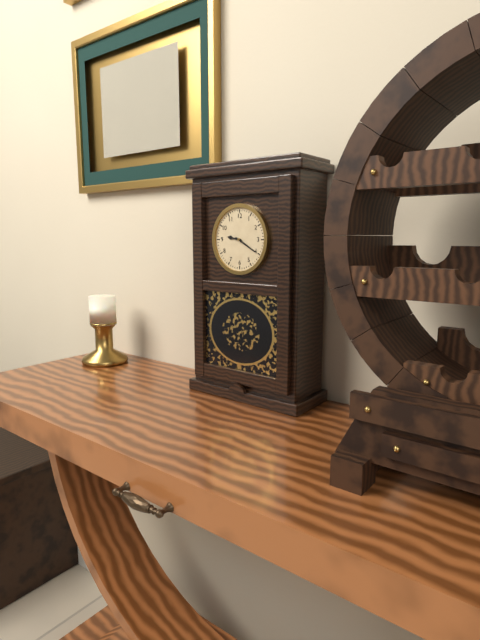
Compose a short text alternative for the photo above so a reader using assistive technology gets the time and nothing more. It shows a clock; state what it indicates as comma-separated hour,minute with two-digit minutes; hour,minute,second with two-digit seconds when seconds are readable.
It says 9,20
